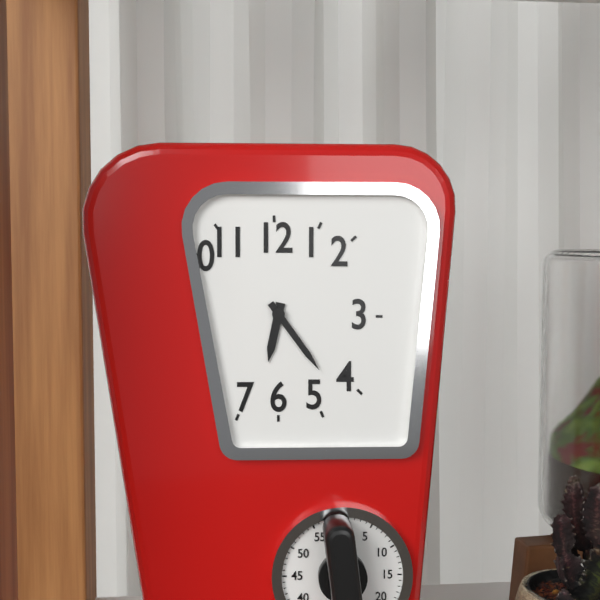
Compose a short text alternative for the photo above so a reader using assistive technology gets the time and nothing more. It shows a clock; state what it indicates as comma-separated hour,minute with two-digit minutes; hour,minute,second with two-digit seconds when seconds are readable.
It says 6,24
